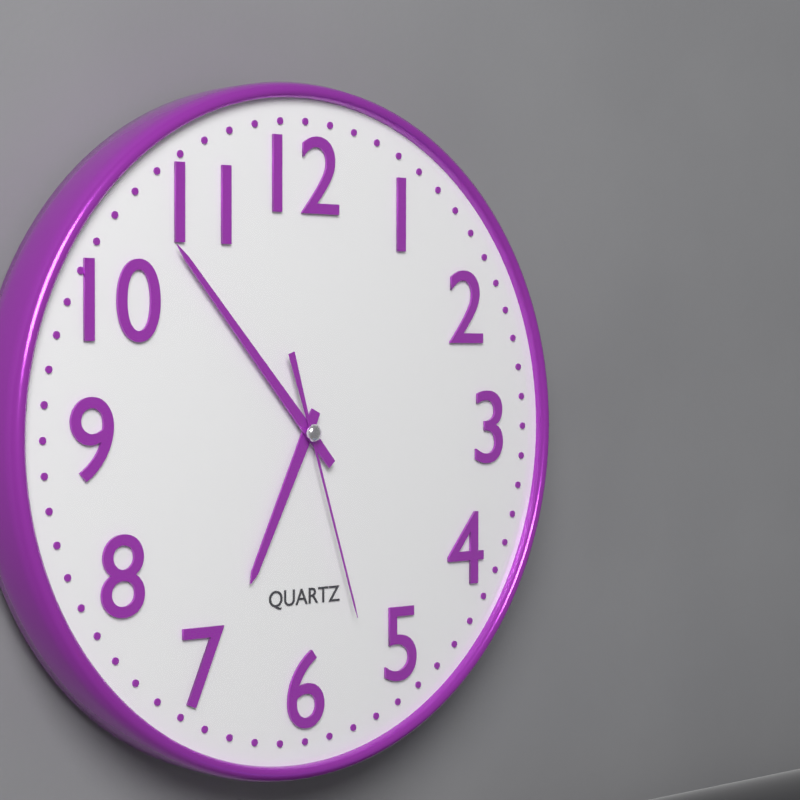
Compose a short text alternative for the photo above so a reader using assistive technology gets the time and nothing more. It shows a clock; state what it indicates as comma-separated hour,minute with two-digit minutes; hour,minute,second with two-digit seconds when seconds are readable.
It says 6,53,27
